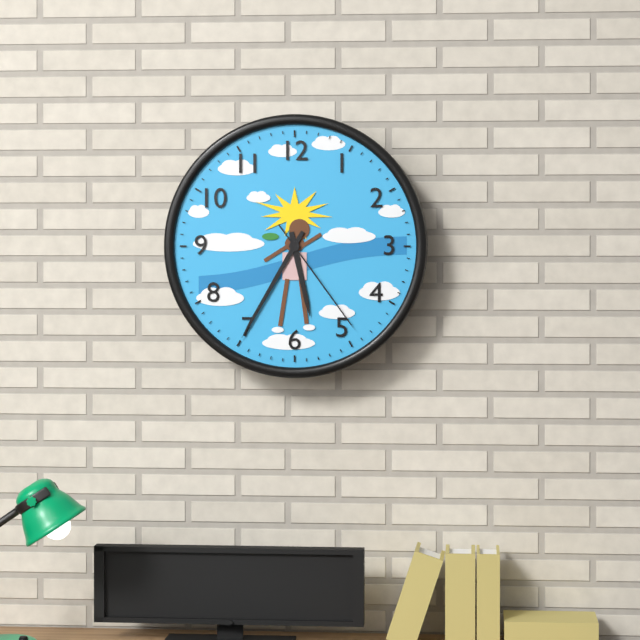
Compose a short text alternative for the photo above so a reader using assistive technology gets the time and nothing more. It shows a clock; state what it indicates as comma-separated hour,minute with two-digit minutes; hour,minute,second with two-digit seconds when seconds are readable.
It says 5,35,24
